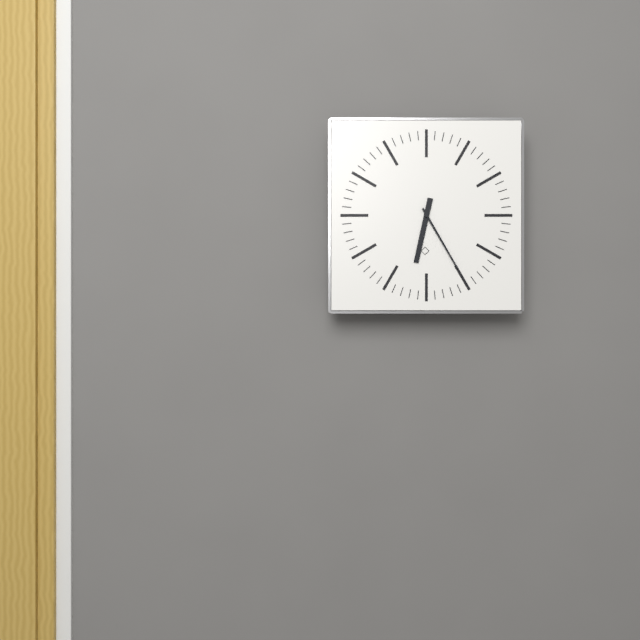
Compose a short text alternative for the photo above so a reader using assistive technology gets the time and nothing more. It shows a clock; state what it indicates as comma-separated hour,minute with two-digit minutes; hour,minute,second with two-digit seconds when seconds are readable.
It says 6,25
